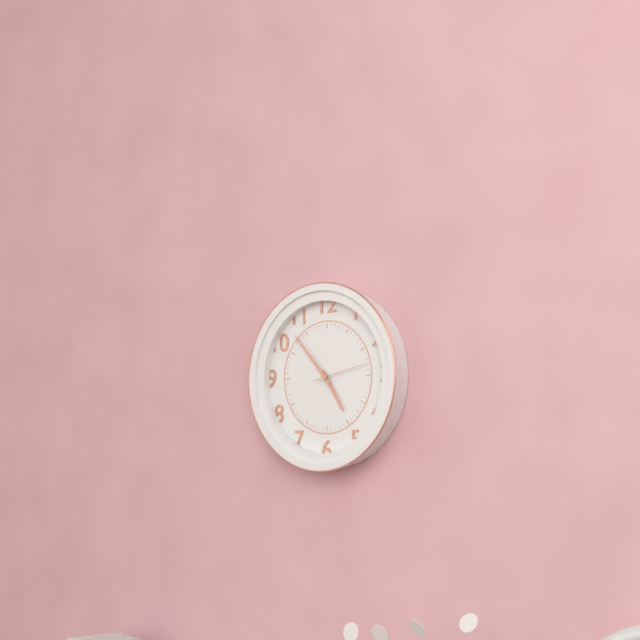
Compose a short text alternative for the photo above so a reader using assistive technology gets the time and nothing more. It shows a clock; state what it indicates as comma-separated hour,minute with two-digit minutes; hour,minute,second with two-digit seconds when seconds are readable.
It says 4,53,13
